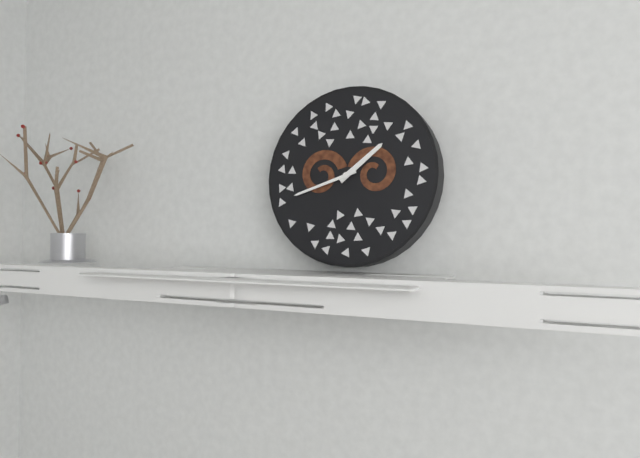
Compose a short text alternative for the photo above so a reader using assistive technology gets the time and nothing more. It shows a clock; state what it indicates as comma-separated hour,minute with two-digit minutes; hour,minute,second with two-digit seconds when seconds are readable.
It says 1,42
